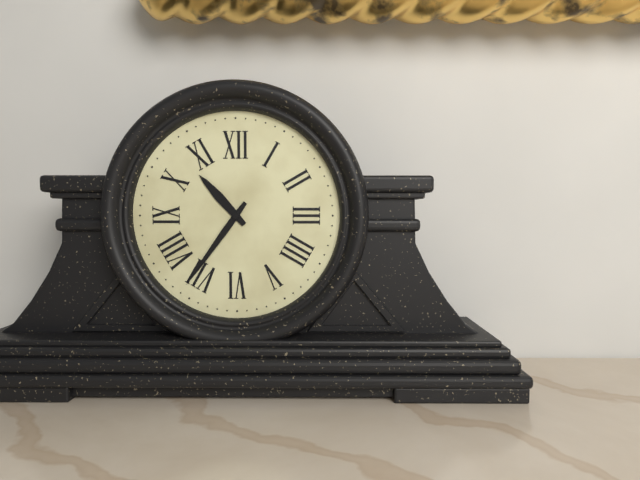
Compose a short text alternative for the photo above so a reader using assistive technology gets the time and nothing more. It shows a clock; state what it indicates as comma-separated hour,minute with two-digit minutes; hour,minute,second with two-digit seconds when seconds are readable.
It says 10,36
